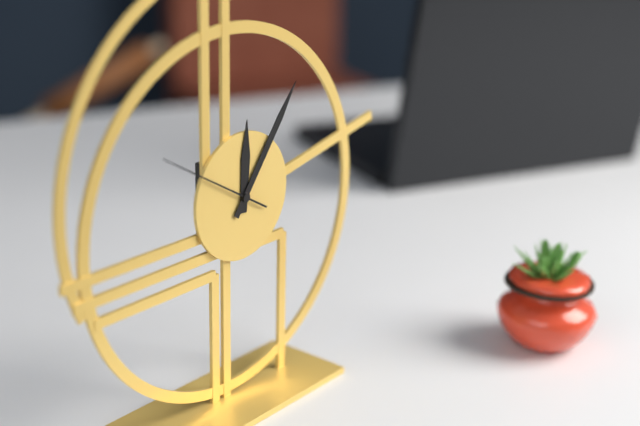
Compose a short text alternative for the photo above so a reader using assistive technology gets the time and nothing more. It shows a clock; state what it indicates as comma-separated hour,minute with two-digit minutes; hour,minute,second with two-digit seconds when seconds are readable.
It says 12,06,50
